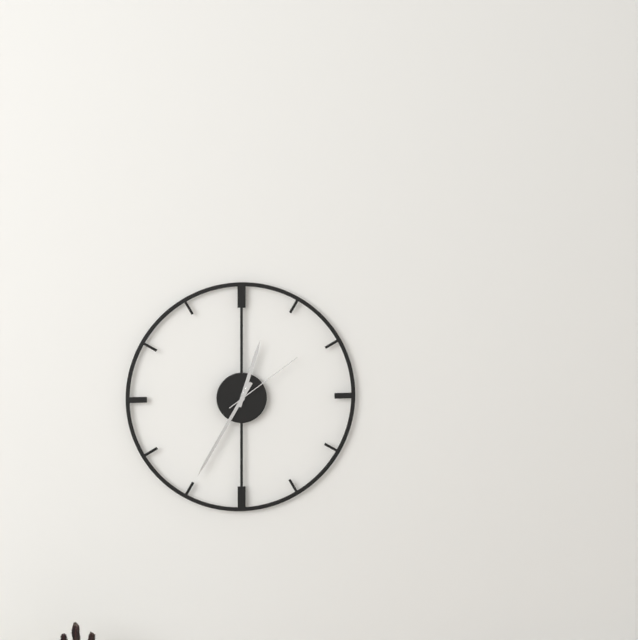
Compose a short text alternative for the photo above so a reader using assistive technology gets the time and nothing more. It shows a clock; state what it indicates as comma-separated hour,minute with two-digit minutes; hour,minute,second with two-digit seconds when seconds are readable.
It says 12,35,09
